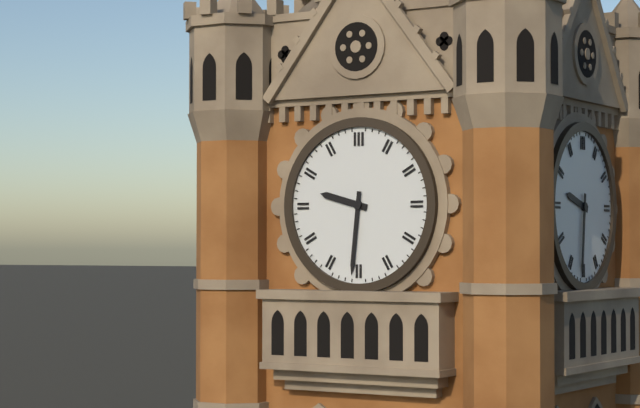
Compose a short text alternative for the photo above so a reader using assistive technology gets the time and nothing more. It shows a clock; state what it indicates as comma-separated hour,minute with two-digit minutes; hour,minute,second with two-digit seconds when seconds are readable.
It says 9,31
